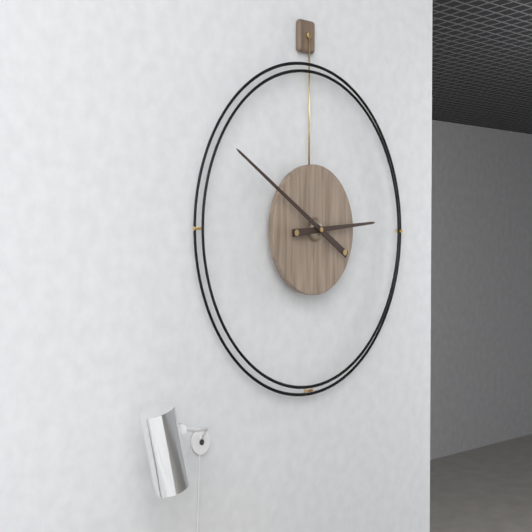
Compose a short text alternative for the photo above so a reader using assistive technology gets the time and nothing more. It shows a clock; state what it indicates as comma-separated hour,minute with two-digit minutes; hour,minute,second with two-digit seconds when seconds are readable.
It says 2,50
